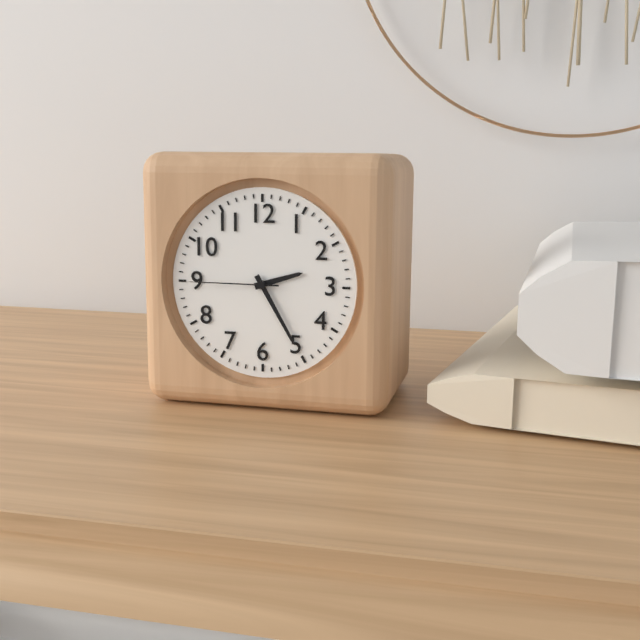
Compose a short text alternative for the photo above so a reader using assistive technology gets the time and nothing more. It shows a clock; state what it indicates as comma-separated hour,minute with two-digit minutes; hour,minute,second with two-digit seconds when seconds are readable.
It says 2,25,45
